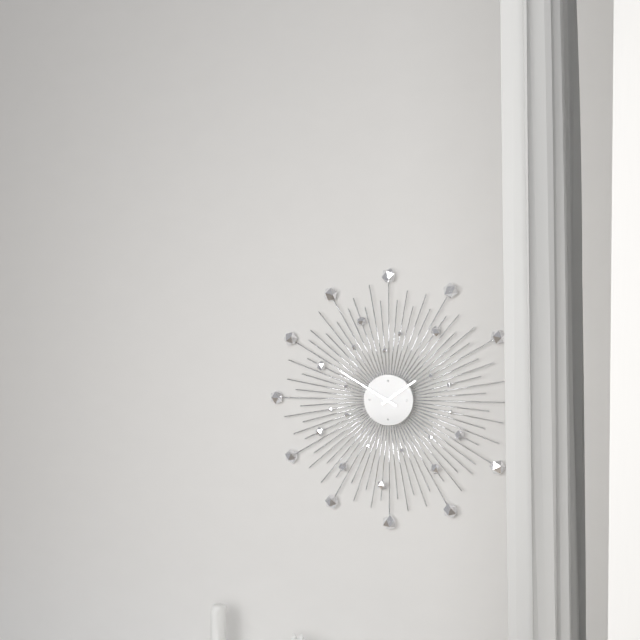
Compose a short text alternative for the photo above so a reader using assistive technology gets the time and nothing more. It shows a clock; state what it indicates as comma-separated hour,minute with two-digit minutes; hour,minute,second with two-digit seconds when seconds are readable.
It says 1,50
